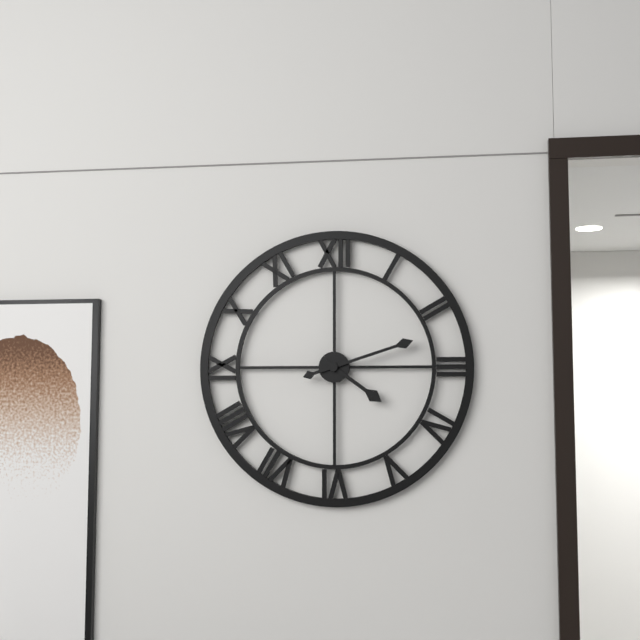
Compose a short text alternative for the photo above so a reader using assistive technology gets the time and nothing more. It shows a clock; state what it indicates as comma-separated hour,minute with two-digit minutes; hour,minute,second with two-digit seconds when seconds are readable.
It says 4,12
